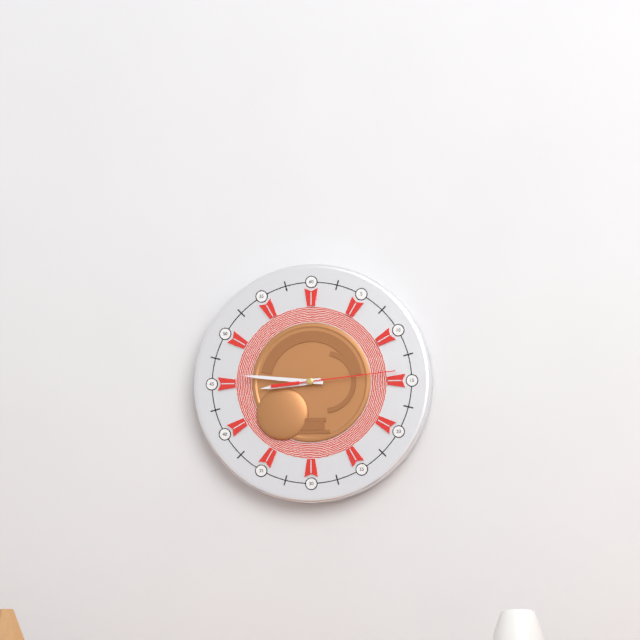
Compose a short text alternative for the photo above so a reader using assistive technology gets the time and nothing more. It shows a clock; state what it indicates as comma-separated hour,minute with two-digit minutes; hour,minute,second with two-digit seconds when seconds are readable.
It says 8,46,14
